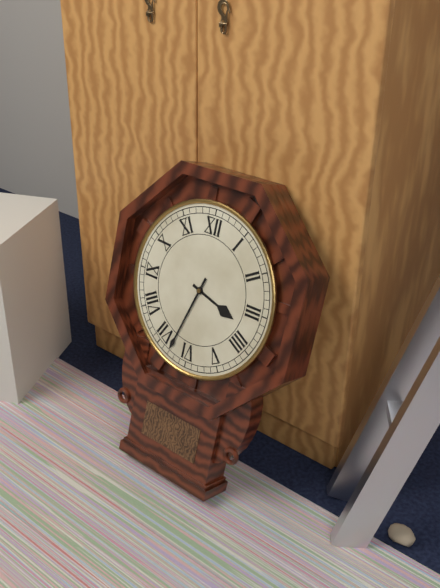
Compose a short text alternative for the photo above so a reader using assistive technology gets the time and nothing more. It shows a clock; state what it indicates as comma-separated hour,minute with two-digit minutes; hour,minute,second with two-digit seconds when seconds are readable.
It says 3,33
